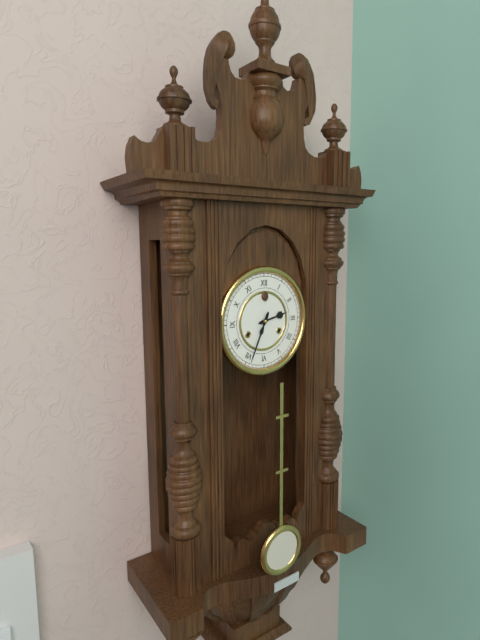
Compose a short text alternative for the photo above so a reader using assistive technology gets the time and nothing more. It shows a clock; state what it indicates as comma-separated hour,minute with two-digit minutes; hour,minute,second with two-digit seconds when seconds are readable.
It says 2,34
